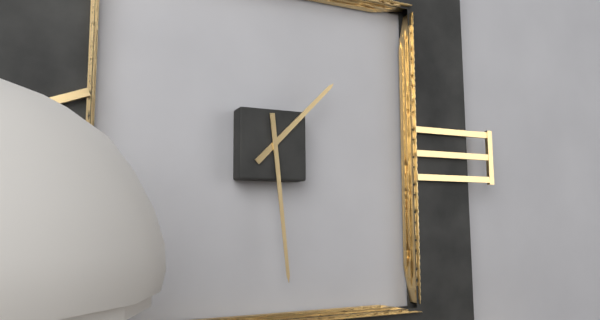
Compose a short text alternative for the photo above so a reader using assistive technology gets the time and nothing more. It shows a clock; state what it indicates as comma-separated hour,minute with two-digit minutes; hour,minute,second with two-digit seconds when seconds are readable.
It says 1,29
